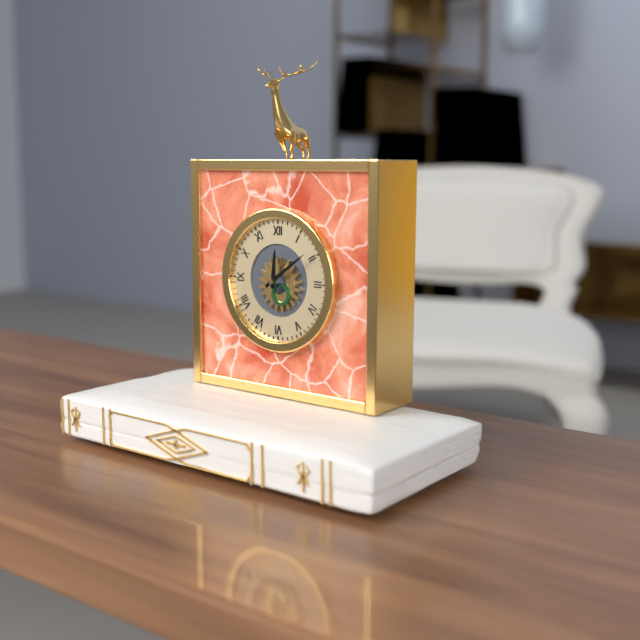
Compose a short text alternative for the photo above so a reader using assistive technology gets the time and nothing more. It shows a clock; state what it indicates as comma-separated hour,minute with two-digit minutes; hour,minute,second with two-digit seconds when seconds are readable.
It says 12,09
